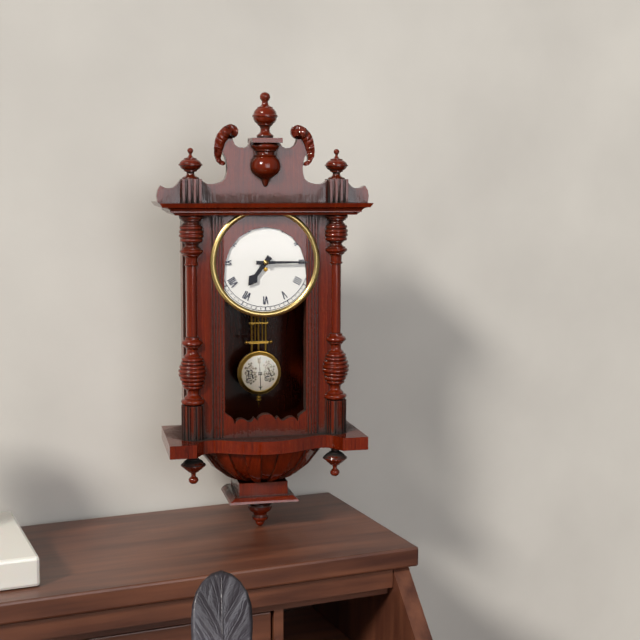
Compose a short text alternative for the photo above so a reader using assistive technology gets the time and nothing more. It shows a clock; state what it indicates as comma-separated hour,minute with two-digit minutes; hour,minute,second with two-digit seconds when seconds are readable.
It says 7,15
